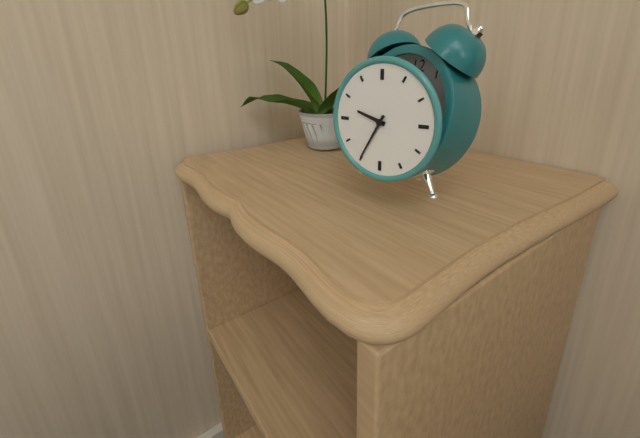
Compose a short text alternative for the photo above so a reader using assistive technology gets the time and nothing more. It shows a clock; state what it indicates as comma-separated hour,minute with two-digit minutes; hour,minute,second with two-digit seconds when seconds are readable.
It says 9,35
